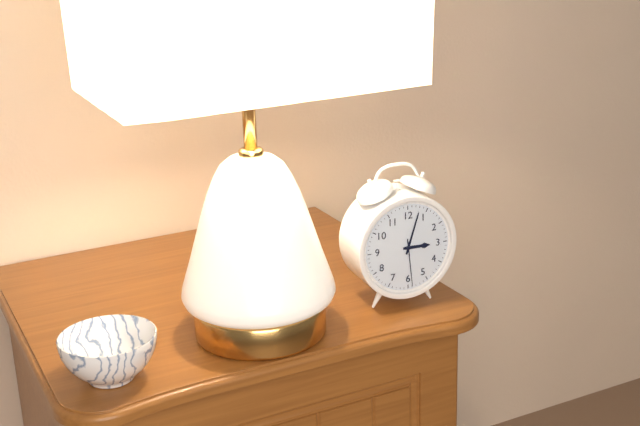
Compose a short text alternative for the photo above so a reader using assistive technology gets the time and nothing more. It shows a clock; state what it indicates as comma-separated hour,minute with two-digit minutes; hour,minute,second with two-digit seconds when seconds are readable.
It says 3,03
